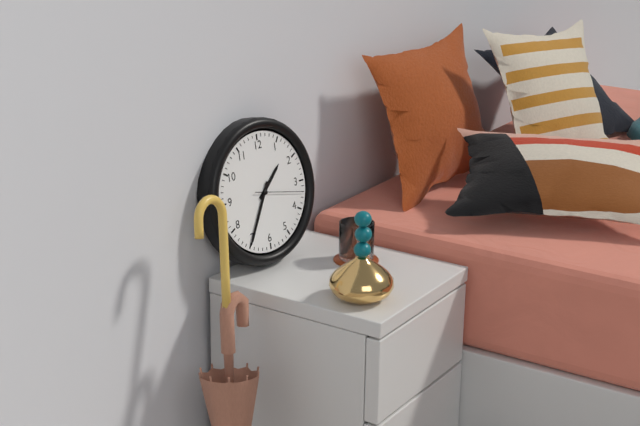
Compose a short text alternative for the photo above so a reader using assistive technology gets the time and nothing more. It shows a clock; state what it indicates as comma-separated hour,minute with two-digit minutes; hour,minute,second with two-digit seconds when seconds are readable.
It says 1,35
